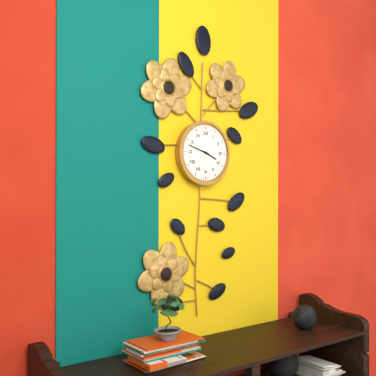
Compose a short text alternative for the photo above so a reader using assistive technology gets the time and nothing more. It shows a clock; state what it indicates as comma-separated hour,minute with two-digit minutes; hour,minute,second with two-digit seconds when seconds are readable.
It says 3,48
